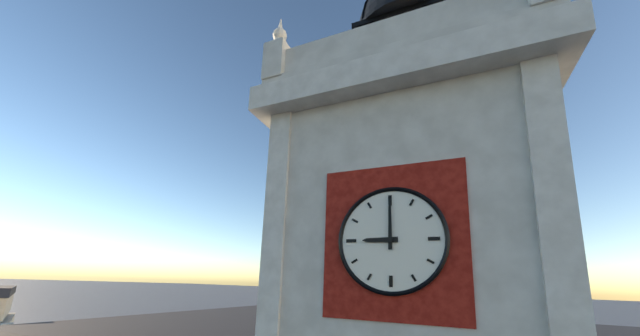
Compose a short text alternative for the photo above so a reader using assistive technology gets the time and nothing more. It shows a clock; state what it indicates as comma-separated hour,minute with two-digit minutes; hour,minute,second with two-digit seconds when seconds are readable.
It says 9,00
